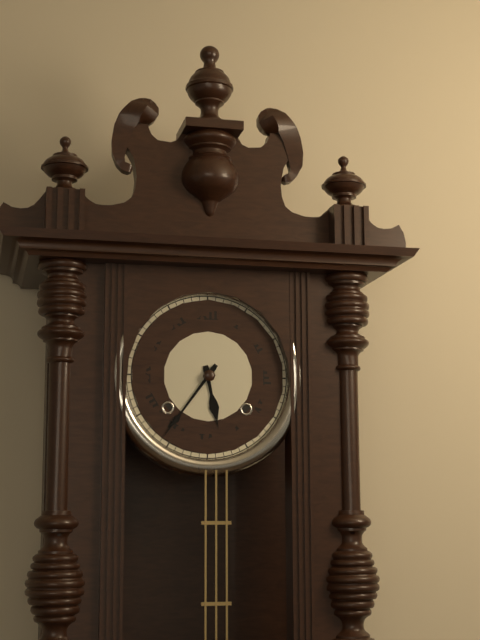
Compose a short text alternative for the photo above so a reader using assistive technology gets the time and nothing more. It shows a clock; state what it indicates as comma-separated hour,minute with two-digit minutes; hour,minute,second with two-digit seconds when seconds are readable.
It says 5,36
